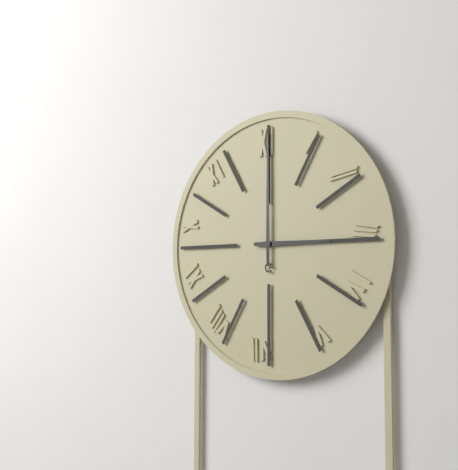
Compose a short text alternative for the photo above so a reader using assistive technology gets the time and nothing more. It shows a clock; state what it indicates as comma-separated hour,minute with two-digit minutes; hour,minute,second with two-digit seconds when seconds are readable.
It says 3,00
